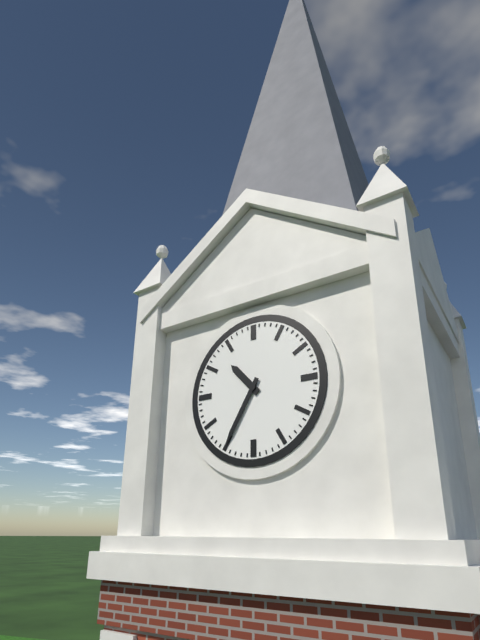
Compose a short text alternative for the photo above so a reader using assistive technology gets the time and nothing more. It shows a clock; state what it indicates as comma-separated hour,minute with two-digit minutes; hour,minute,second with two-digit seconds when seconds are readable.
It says 10,35
